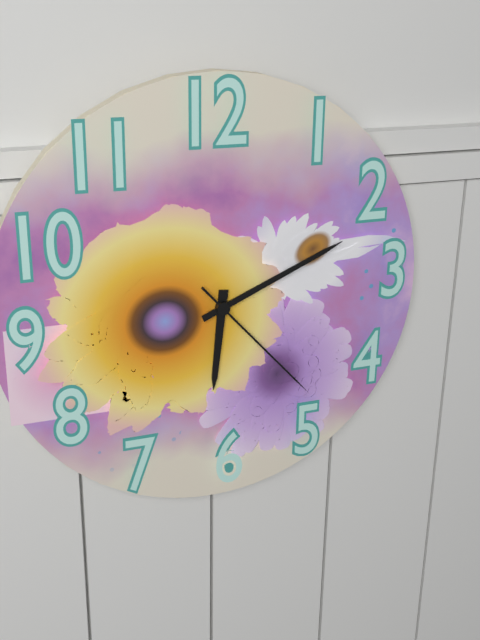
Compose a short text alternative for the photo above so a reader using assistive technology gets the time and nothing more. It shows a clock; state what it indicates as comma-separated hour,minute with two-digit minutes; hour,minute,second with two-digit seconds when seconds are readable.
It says 6,11,23
